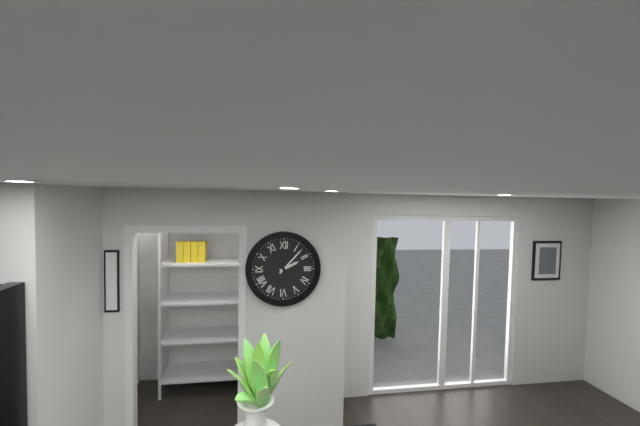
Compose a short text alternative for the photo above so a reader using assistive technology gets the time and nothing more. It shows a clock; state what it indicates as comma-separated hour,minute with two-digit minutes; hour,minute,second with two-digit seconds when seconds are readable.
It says 2,07
